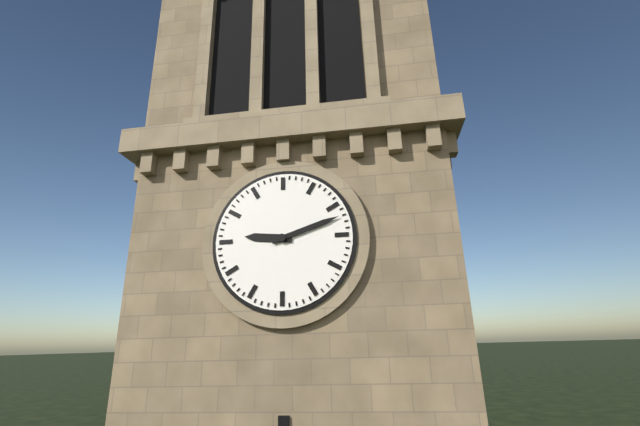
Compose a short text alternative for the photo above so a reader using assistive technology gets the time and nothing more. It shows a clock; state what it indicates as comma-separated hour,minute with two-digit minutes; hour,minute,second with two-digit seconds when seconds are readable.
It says 9,12
